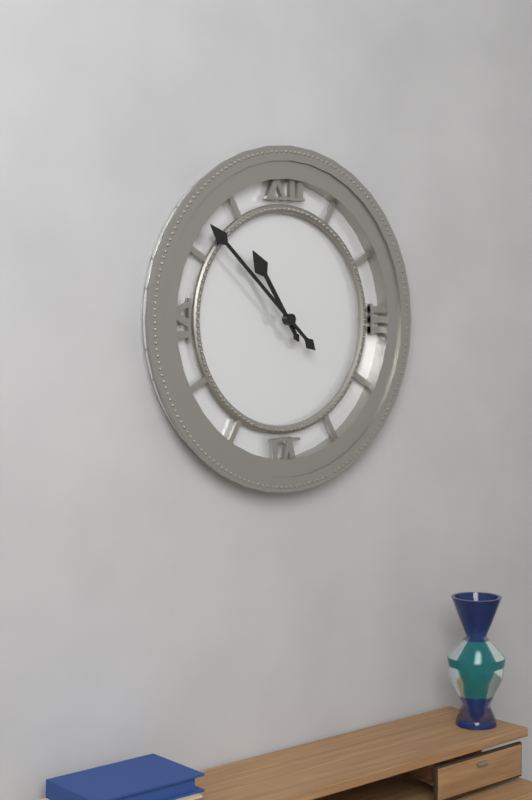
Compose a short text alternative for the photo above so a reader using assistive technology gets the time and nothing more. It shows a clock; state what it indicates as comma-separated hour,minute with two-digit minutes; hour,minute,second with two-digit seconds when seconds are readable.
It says 10,52
